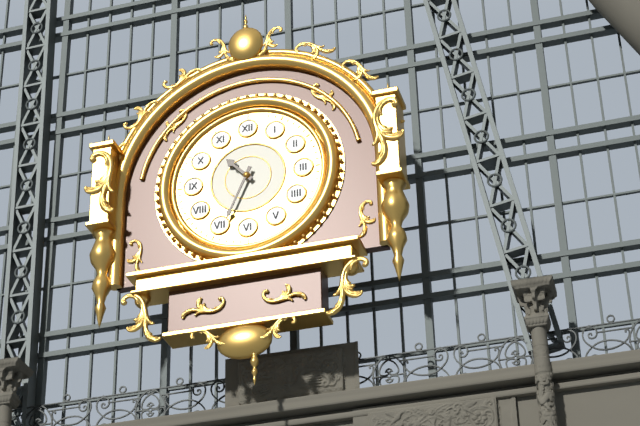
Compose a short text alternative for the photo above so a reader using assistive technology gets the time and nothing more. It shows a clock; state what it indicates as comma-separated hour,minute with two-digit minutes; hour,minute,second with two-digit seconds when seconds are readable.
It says 10,34
